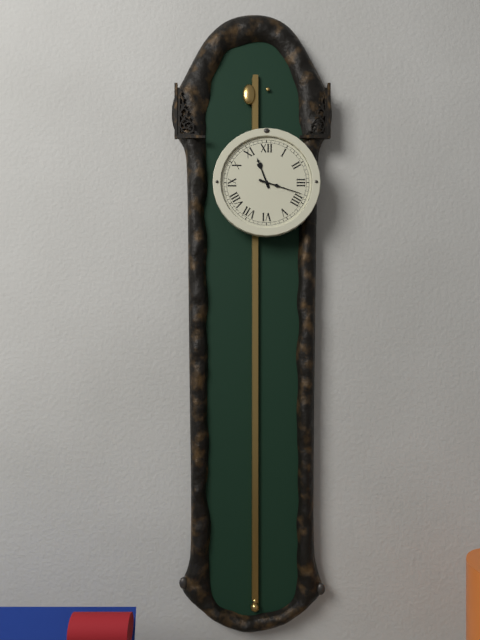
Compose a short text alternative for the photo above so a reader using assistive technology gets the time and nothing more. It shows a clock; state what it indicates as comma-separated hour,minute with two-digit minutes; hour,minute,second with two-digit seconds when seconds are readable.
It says 11,18
